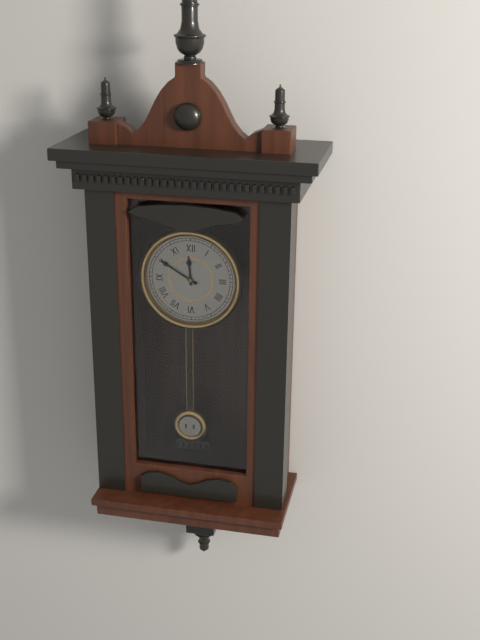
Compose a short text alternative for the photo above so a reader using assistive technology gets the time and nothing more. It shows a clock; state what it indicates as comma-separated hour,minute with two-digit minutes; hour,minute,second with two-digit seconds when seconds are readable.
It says 11,50
